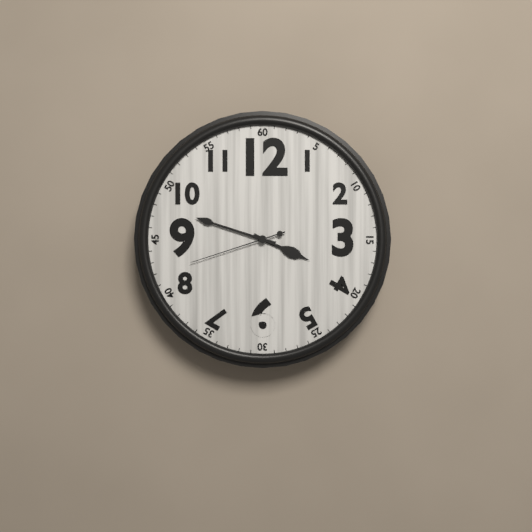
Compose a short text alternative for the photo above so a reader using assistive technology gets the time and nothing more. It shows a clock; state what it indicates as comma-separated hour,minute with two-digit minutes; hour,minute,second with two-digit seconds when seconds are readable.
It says 3,48,42
